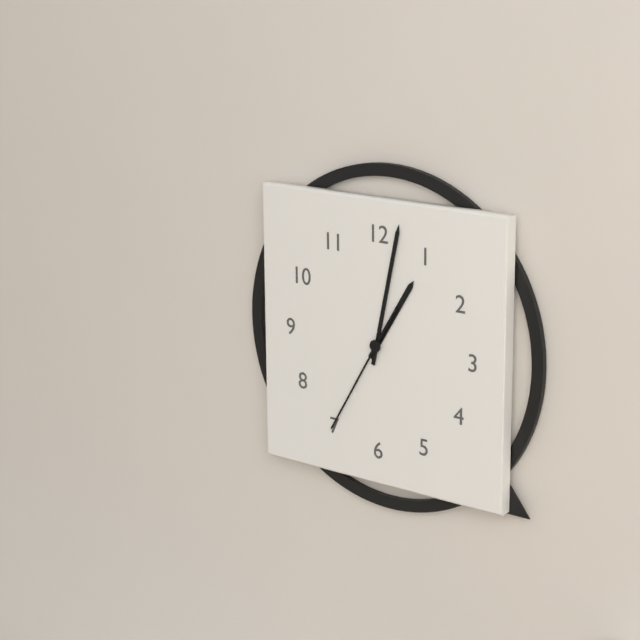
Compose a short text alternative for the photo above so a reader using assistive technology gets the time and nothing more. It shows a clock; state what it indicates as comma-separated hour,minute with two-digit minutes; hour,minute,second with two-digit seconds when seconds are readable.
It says 1,02,35
